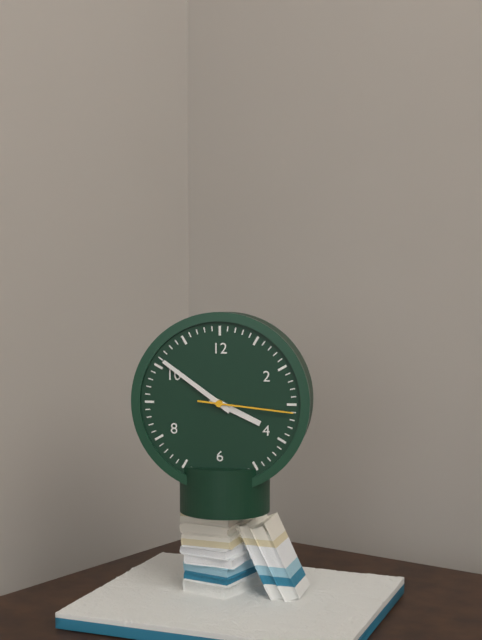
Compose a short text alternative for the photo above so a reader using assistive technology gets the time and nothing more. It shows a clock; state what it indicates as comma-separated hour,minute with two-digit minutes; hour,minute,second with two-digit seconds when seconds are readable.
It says 3,51,16
